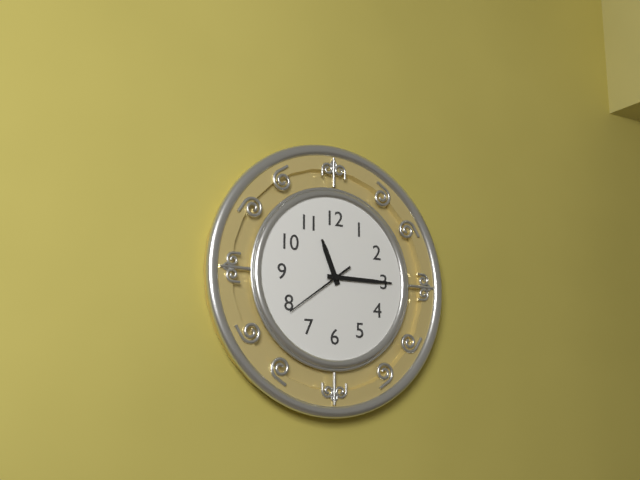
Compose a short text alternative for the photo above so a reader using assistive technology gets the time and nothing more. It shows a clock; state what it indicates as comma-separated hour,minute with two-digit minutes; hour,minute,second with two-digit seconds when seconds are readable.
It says 11,15,39
